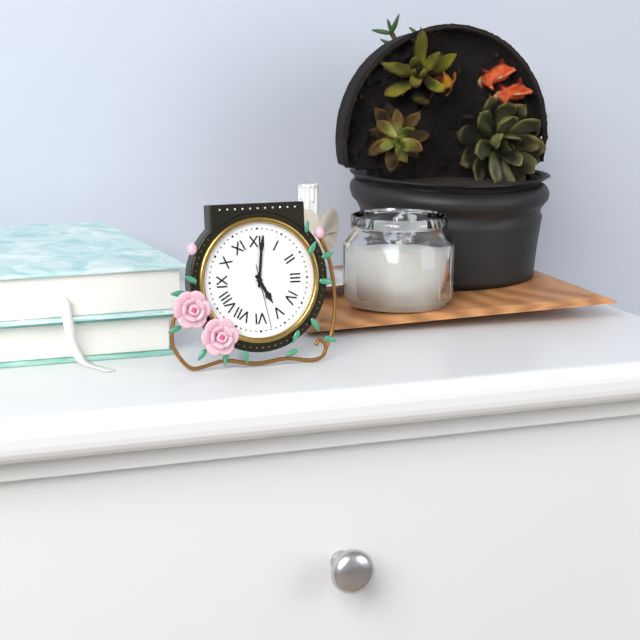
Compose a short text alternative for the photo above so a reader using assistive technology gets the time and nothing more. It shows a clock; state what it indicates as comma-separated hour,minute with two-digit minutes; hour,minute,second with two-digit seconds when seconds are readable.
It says 5,01,28
